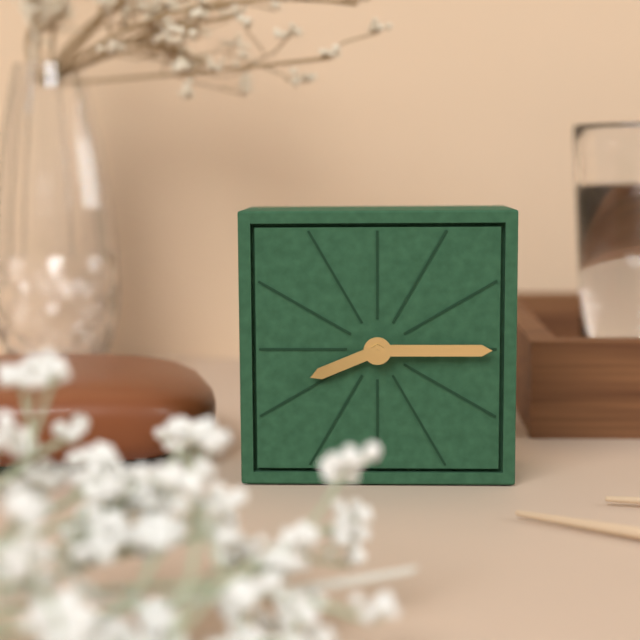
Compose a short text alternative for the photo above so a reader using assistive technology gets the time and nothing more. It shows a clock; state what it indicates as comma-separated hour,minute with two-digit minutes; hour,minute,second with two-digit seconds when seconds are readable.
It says 8,15
